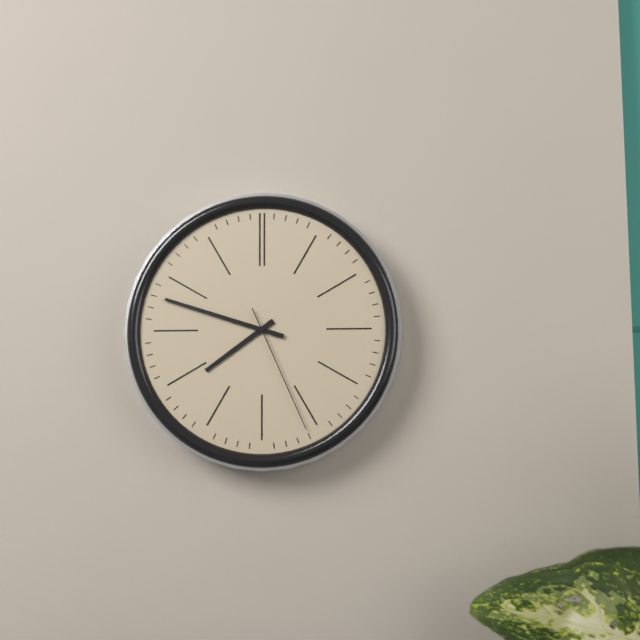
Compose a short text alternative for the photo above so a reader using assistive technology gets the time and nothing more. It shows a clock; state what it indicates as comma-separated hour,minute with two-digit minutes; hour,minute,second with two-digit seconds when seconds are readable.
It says 7,48,26
